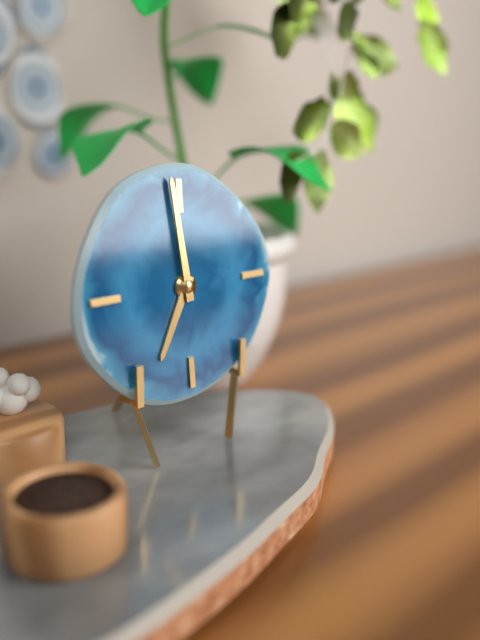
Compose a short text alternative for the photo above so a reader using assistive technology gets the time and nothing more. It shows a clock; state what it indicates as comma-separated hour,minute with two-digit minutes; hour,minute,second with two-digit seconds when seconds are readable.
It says 6,59
